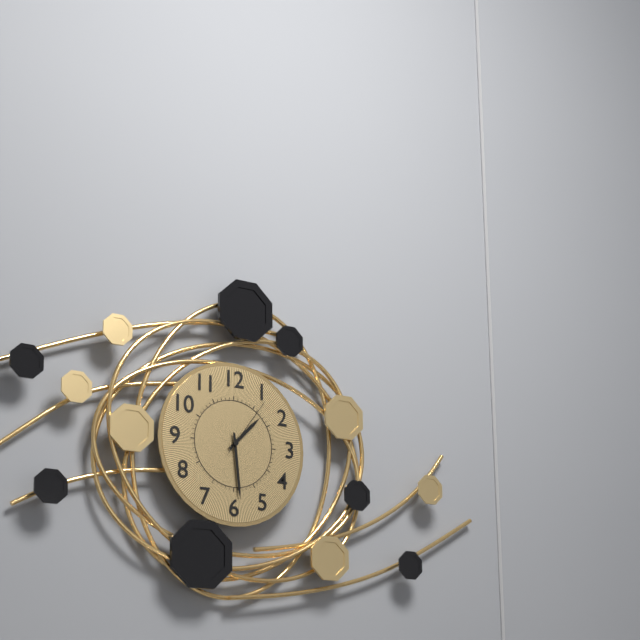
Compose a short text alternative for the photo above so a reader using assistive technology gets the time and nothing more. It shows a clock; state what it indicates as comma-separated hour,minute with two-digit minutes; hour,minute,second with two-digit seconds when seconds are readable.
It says 1,29,06
